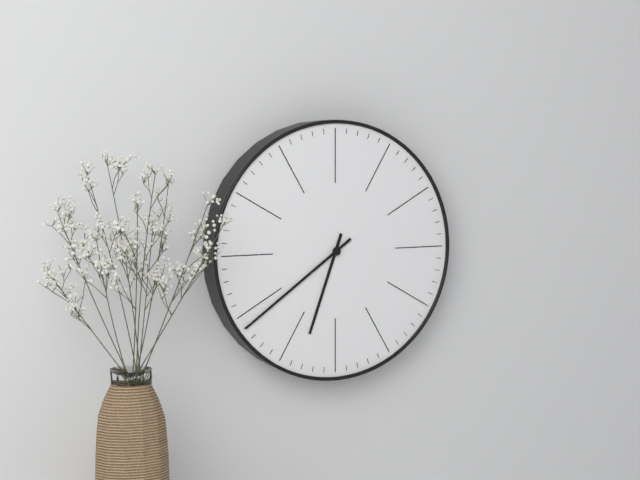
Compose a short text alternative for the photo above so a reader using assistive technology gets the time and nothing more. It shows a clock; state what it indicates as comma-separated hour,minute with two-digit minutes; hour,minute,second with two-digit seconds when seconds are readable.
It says 6,39
